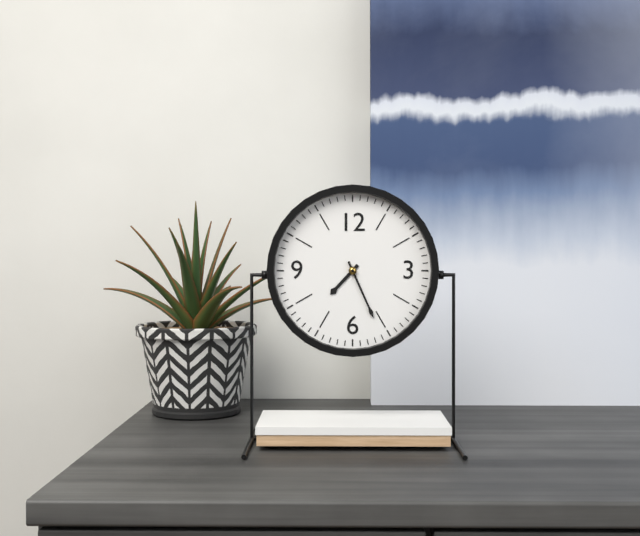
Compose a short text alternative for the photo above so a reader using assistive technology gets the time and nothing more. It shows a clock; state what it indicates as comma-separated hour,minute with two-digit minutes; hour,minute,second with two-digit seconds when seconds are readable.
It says 7,26
